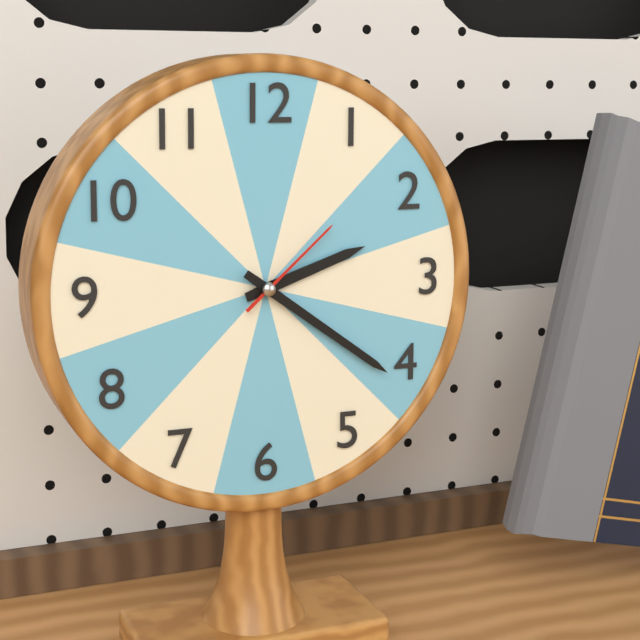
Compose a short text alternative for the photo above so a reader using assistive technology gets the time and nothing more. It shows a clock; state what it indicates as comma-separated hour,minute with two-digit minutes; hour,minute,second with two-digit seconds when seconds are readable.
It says 2,21,08
